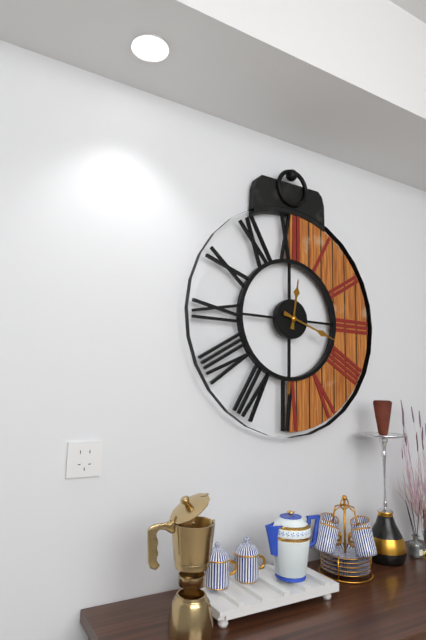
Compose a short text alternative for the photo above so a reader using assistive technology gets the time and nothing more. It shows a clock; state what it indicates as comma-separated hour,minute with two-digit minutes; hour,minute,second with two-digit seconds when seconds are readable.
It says 12,18
